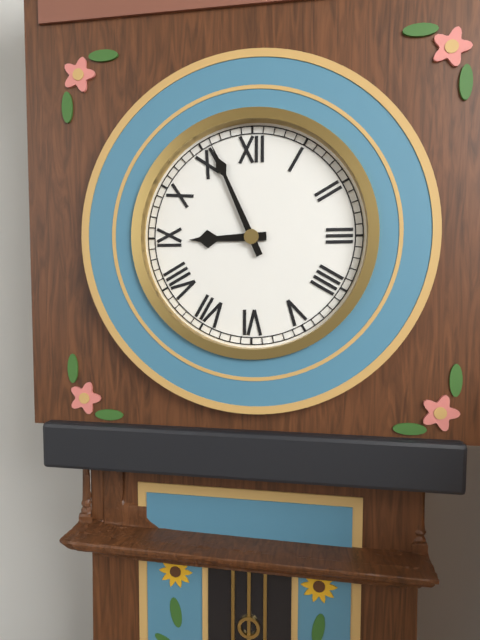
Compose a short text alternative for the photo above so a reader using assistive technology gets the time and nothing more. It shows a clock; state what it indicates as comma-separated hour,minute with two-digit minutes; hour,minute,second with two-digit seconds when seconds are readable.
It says 8,56
